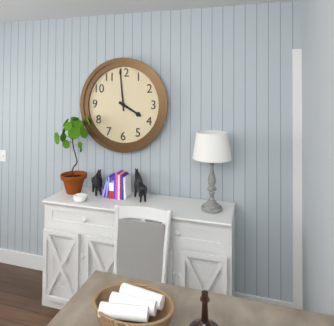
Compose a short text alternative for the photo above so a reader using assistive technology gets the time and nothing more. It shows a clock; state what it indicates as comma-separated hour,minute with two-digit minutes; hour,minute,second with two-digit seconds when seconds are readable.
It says 3,59
